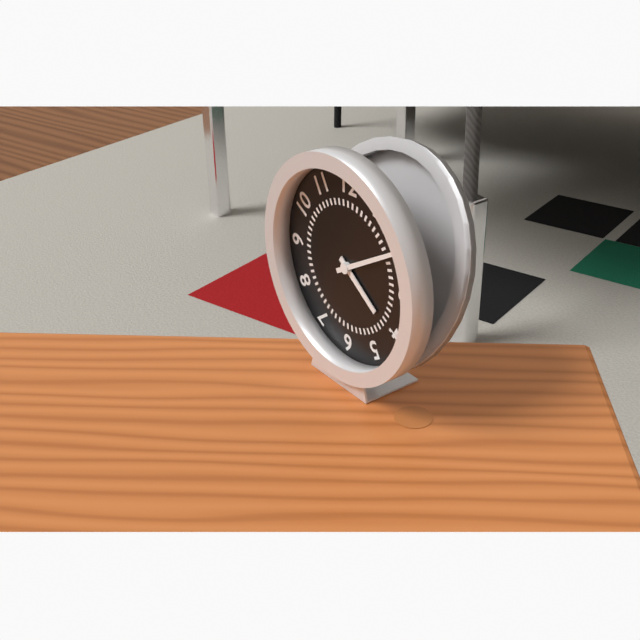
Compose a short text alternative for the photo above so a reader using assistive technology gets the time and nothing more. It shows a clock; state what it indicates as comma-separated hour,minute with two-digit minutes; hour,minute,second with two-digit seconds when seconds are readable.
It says 4,10
